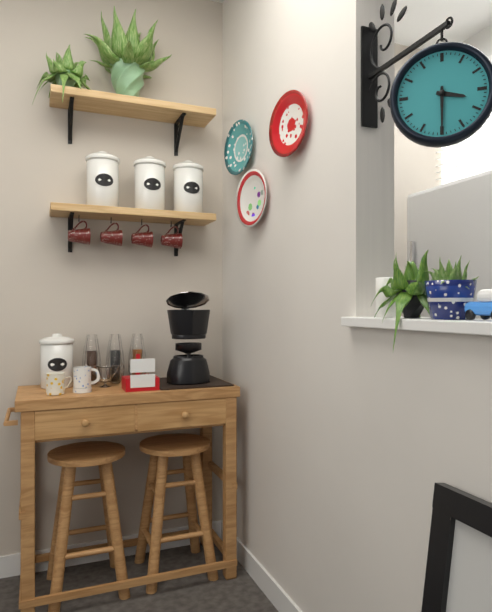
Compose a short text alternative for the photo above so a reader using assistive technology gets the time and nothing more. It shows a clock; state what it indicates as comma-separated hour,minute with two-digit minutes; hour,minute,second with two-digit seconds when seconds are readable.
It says 3,30
